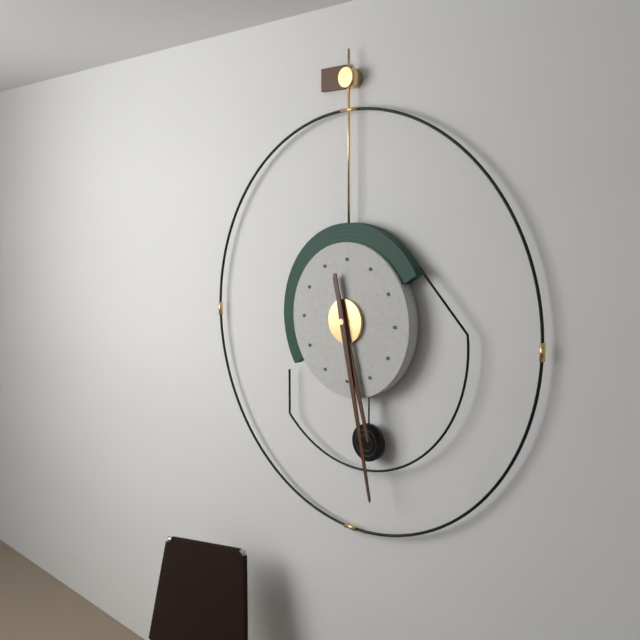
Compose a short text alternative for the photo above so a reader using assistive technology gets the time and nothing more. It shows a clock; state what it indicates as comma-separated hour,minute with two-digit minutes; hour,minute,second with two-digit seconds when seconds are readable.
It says 5,28
